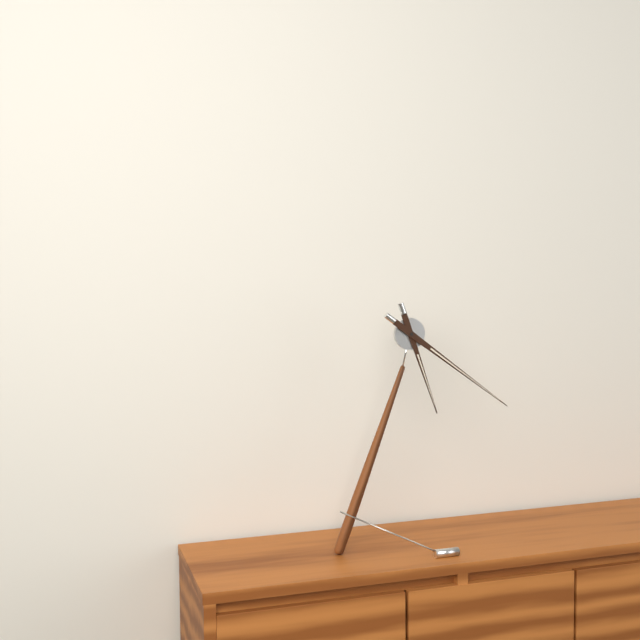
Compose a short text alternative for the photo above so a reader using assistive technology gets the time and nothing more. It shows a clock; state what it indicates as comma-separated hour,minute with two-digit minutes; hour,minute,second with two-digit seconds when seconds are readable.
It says 5,21
